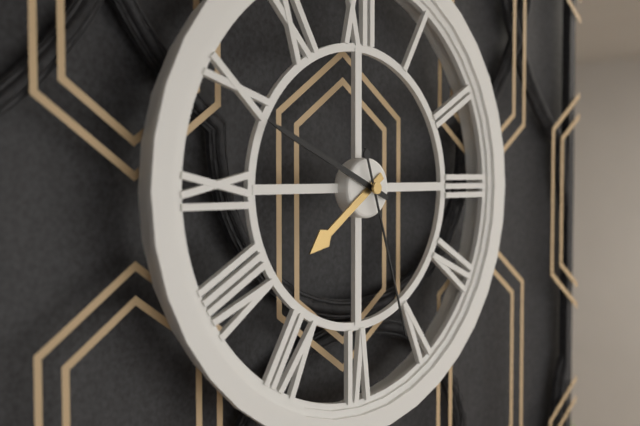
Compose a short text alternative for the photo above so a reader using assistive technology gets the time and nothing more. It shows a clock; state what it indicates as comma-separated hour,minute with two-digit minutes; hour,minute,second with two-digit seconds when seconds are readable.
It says 7,49,27
